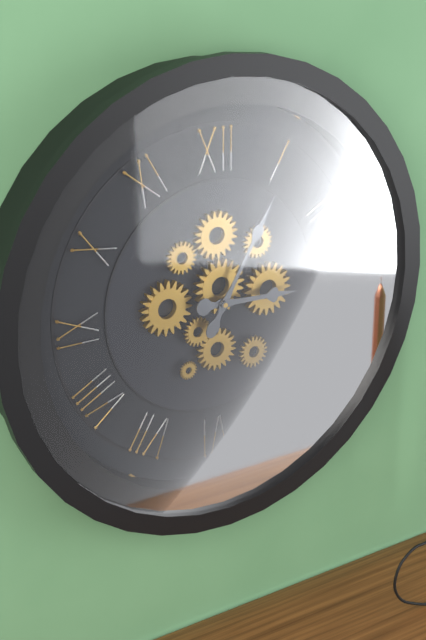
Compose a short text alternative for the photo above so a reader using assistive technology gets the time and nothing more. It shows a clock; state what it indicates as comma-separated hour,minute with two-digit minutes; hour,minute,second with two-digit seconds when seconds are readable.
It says 3,05
